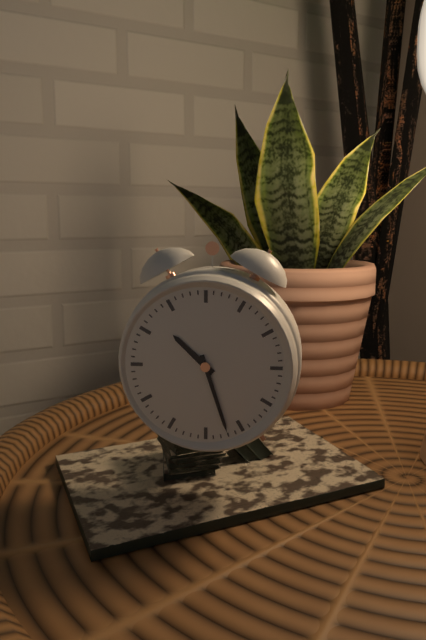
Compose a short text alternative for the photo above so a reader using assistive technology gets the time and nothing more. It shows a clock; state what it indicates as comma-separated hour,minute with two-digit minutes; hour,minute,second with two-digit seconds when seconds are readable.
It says 10,27
